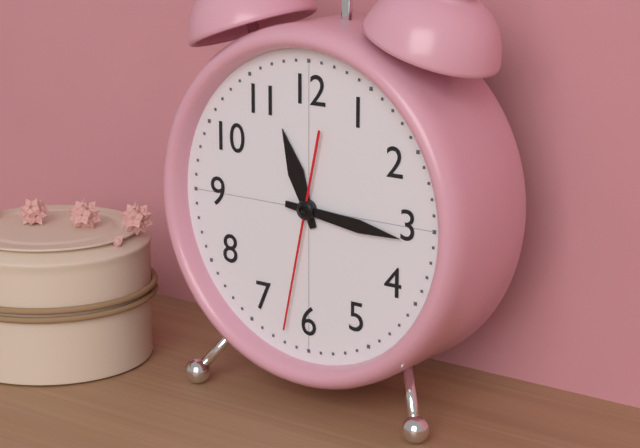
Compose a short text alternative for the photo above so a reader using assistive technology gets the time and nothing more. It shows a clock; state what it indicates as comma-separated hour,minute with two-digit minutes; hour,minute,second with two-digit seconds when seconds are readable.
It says 11,16,32
